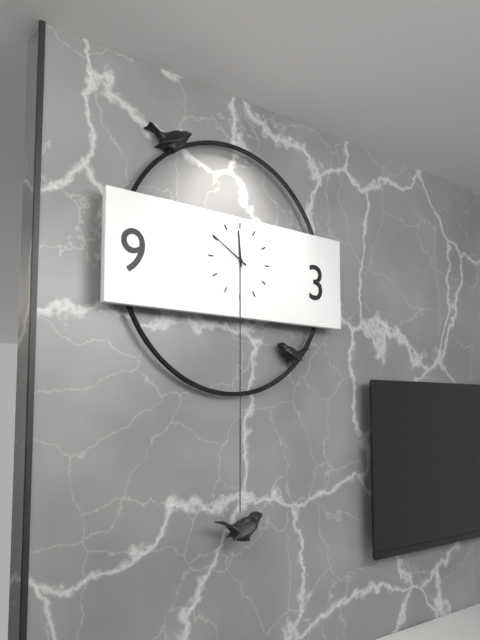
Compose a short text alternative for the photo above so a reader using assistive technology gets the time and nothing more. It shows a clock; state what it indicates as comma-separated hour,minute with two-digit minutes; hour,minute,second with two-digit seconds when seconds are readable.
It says 11,50
